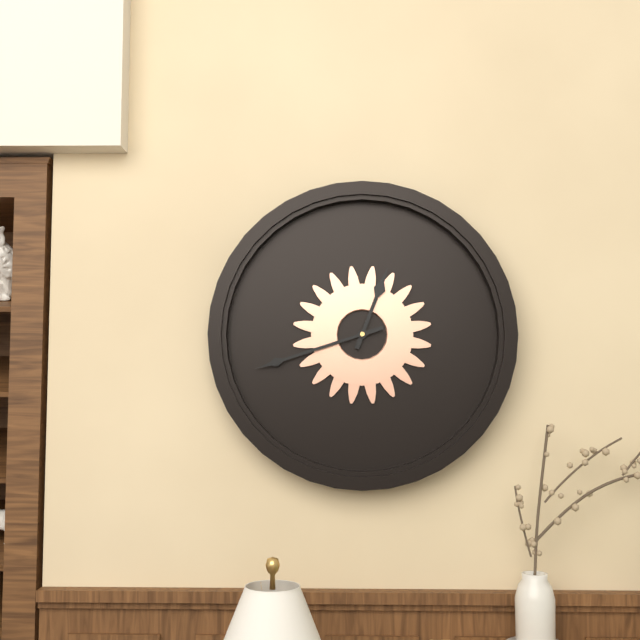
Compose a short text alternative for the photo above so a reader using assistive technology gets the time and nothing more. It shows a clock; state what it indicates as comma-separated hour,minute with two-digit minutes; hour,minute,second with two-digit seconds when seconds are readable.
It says 12,42
